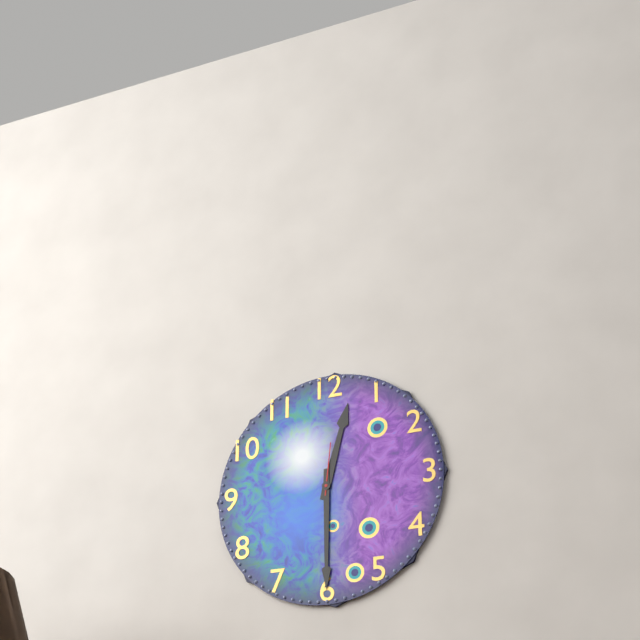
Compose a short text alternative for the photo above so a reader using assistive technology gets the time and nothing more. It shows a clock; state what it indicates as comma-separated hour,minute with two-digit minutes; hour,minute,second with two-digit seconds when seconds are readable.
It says 12,30,01
